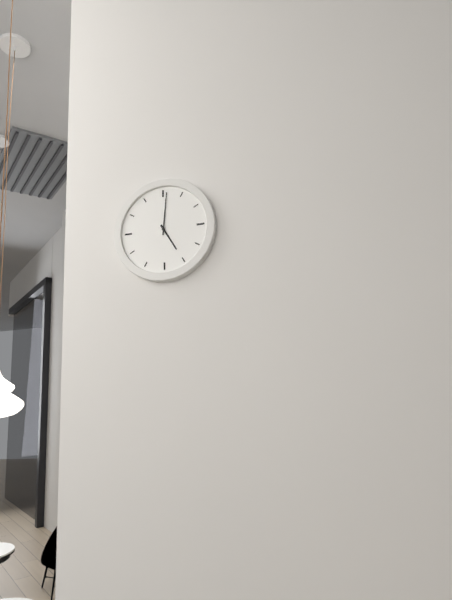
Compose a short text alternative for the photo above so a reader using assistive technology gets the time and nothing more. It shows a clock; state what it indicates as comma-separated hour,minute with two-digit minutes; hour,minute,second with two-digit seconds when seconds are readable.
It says 5,01
